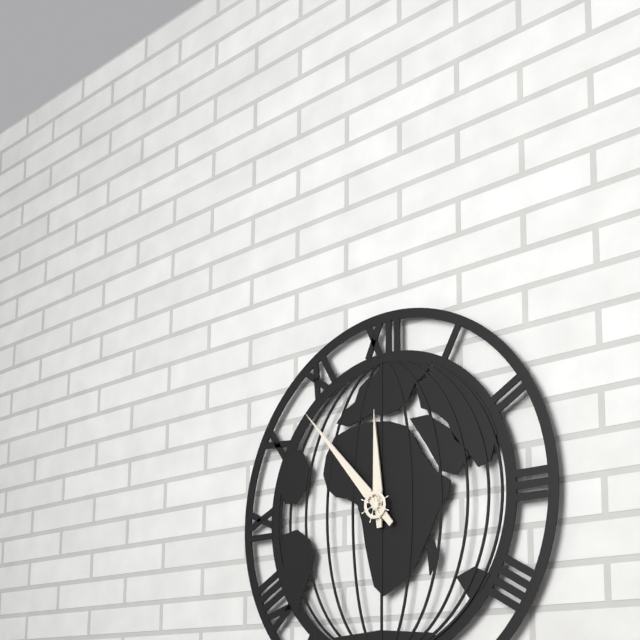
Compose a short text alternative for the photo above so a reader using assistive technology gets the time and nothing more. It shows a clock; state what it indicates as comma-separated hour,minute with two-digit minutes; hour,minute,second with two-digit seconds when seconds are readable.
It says 11,53
